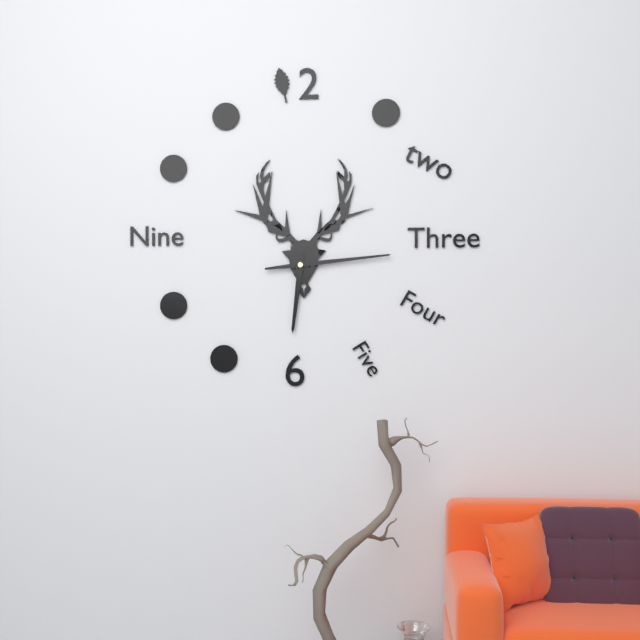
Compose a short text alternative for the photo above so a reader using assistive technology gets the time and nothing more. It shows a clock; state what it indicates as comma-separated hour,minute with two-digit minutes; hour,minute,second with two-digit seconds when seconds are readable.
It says 6,14
